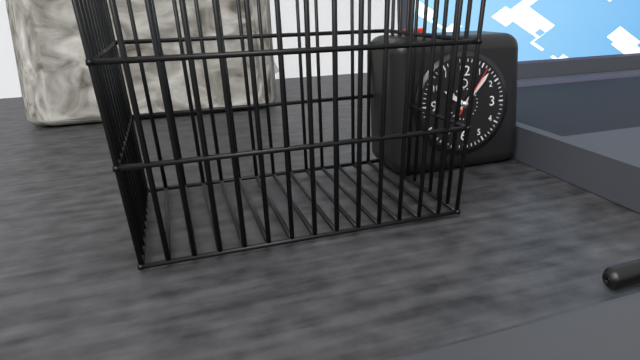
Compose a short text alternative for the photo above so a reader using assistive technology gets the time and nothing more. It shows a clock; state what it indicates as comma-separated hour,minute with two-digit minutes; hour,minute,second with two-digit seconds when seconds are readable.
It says 10,07,06
